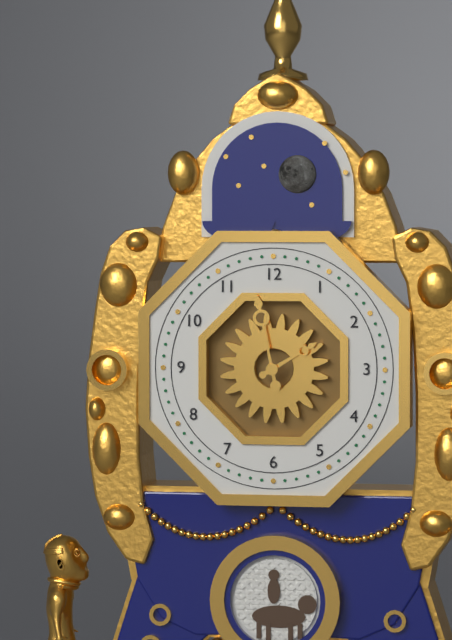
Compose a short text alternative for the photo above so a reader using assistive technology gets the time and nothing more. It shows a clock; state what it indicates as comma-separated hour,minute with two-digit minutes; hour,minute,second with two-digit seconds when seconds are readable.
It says 1,58
